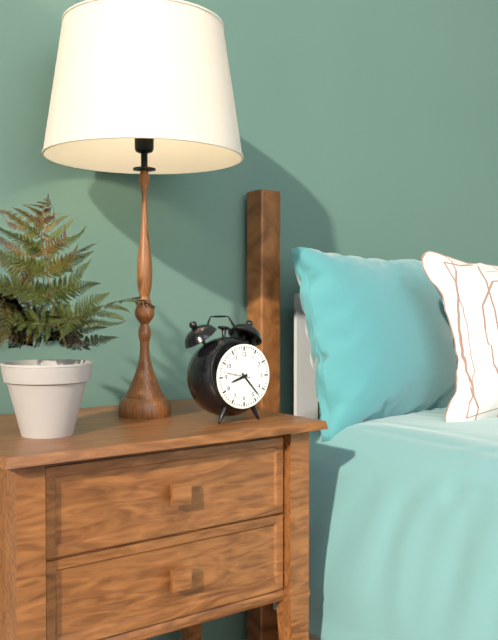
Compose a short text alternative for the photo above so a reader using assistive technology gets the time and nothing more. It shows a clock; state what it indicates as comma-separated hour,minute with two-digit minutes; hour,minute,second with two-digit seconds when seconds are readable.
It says 8,23
